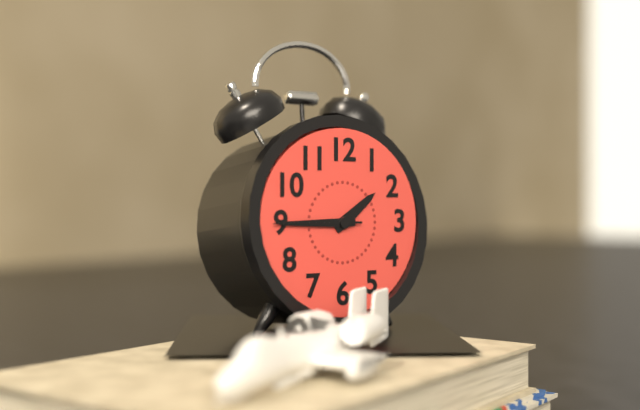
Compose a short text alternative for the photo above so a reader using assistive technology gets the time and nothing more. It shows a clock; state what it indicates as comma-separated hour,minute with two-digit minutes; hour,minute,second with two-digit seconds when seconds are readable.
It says 1,45,45
